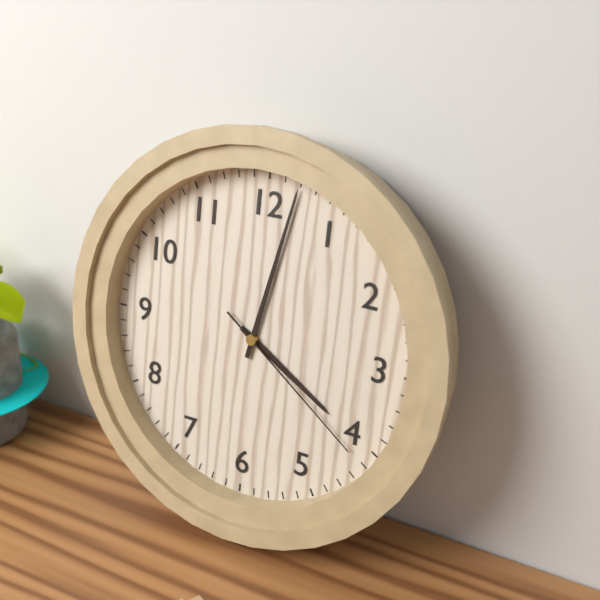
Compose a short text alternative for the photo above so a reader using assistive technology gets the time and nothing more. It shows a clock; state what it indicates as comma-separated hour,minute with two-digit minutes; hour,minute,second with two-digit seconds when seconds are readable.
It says 4,02,21
